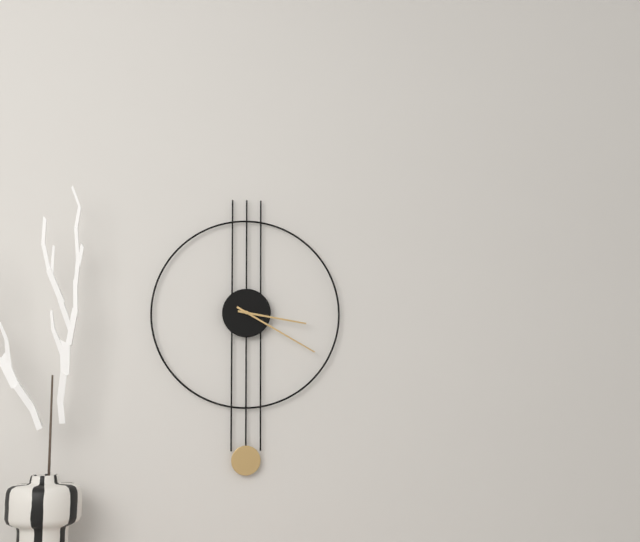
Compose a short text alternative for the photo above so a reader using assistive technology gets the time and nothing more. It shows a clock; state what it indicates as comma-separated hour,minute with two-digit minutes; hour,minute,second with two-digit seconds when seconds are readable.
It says 3,20
